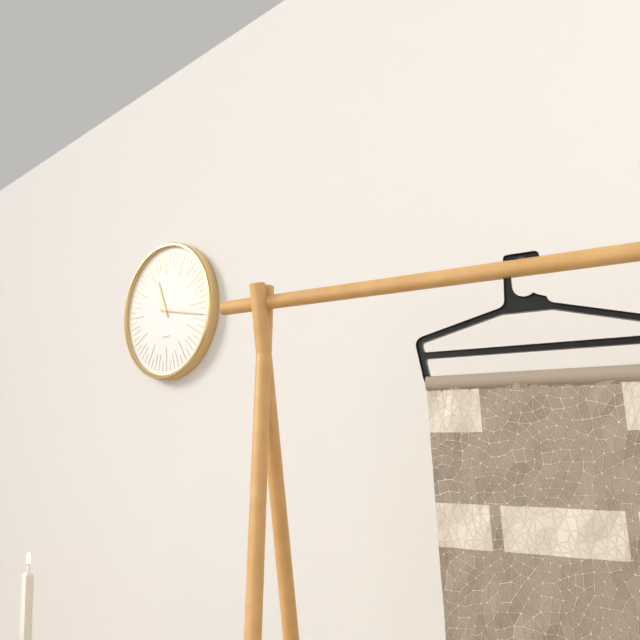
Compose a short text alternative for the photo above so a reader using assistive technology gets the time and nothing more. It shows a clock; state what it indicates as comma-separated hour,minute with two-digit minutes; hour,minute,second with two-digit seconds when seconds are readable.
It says 11,17
